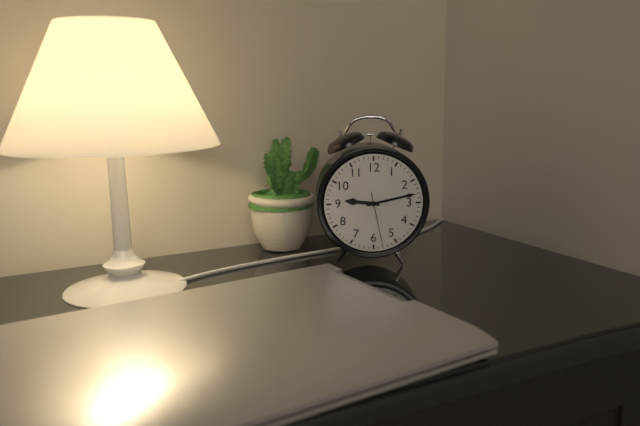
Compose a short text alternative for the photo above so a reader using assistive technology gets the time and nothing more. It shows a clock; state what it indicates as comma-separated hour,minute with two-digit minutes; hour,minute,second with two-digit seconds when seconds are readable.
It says 9,13,28
